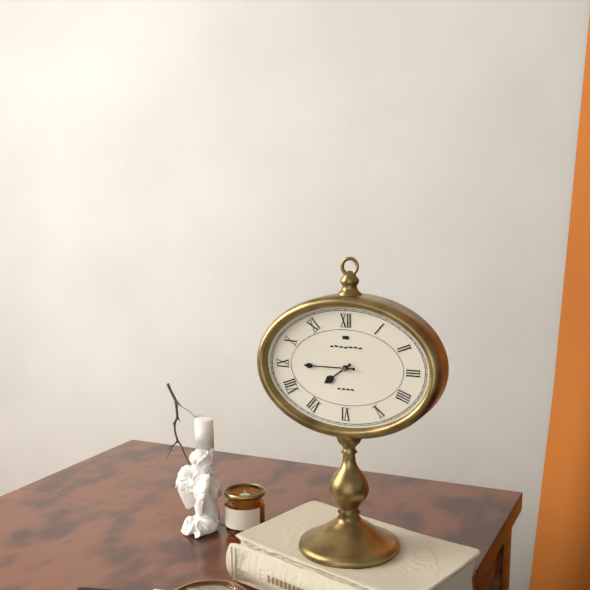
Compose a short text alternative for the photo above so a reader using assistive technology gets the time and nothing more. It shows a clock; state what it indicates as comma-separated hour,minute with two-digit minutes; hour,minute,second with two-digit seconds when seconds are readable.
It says 7,45
